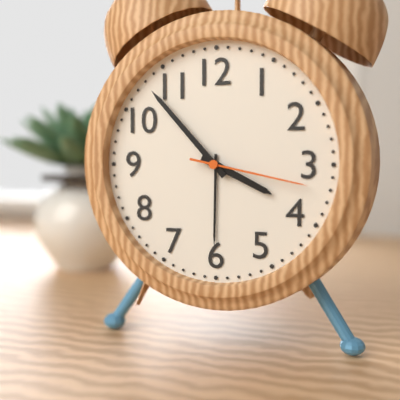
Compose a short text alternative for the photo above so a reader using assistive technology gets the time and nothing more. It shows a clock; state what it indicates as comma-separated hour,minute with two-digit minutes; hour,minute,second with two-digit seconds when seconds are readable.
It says 3,53,17
